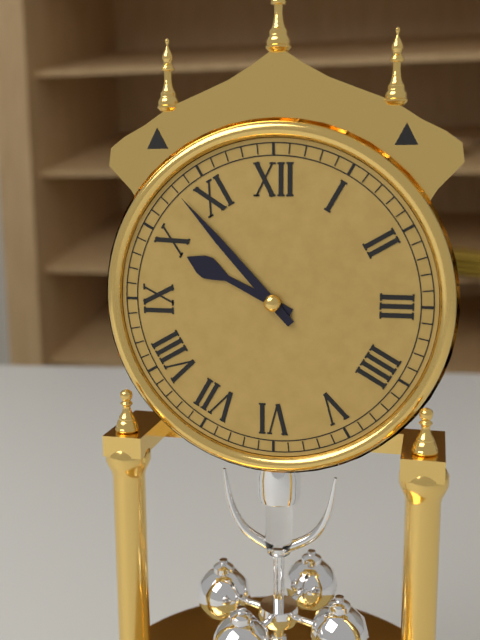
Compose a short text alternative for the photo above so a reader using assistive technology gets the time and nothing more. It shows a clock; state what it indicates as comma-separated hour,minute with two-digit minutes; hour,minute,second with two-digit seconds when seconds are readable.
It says 9,53
